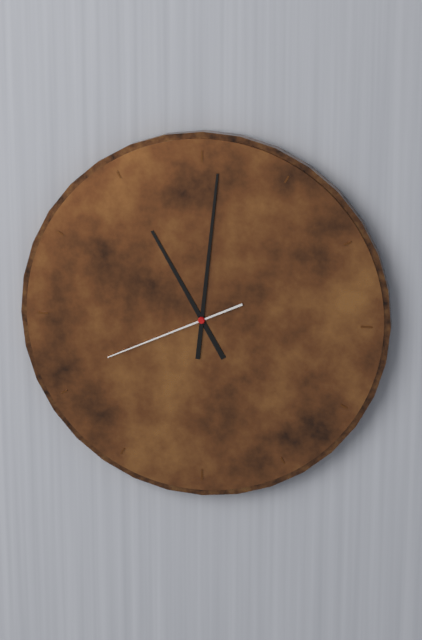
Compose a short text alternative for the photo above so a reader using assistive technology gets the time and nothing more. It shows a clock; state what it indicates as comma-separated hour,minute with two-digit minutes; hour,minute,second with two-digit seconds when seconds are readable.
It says 11,01,41
